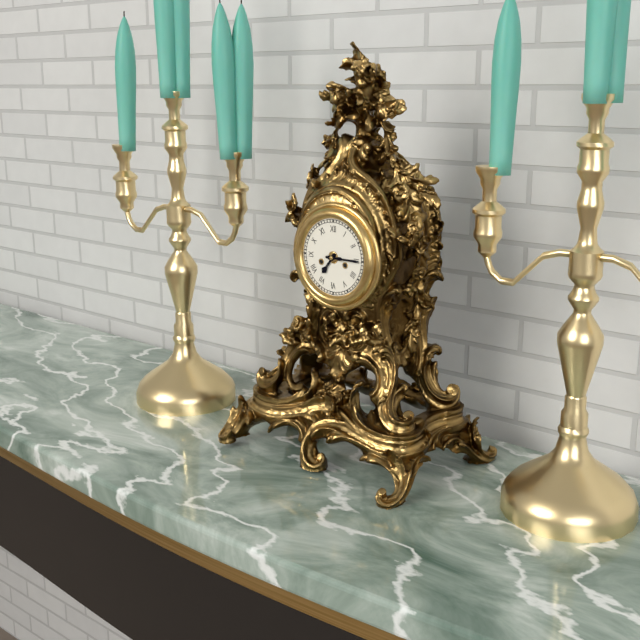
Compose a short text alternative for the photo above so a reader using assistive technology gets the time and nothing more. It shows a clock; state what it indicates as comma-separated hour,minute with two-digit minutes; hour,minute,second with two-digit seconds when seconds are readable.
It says 7,15
